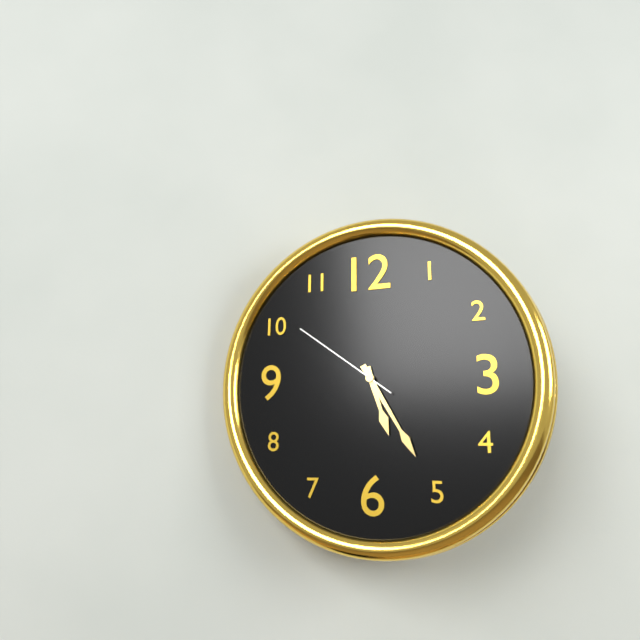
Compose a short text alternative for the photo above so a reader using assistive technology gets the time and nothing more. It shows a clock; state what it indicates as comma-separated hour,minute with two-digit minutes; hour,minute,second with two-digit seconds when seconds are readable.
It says 5,25,51
